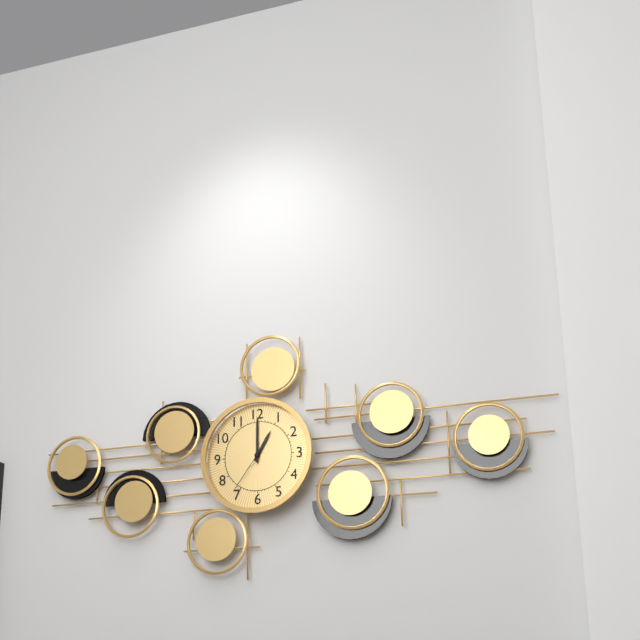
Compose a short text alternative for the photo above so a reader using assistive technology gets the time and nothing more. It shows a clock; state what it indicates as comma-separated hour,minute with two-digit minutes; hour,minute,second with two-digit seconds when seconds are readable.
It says 1,00,36
